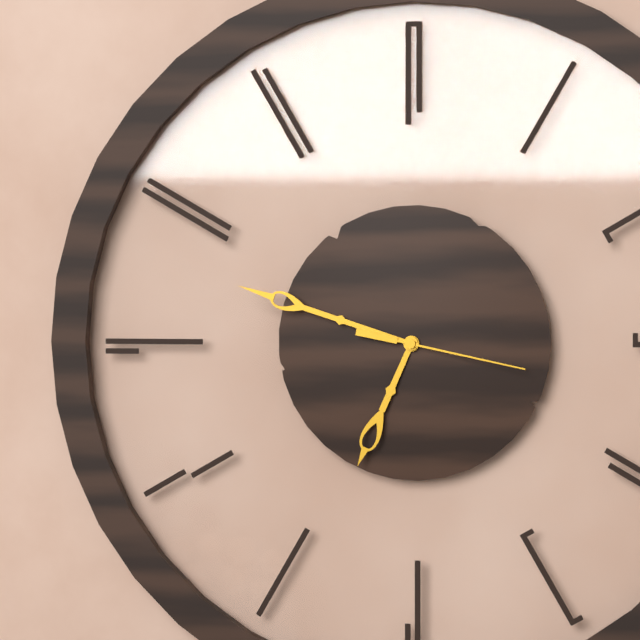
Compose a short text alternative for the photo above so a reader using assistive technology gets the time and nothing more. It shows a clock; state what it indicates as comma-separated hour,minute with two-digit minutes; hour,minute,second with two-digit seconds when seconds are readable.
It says 6,48,17
